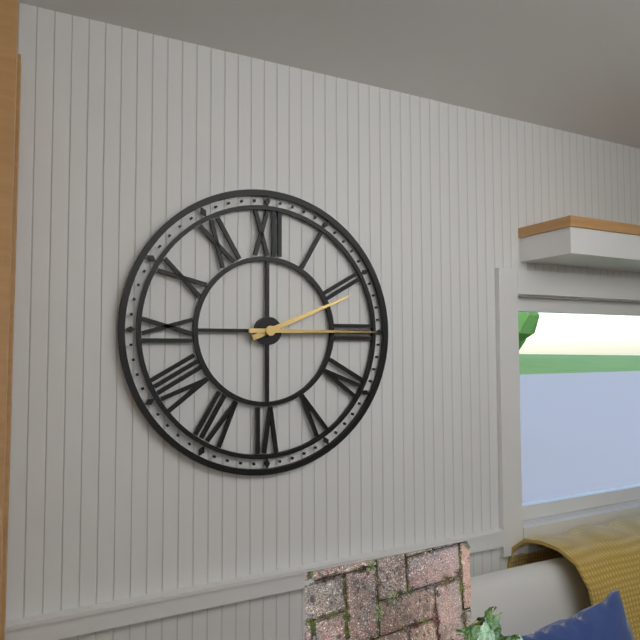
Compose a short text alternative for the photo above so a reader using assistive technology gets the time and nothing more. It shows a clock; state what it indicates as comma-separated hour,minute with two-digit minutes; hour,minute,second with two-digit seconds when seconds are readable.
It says 2,15
